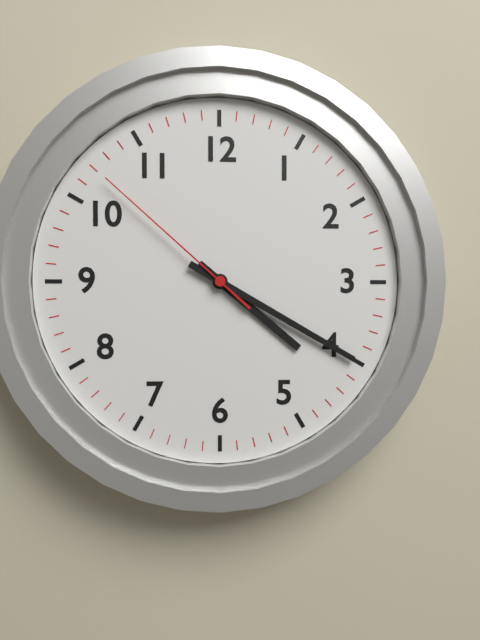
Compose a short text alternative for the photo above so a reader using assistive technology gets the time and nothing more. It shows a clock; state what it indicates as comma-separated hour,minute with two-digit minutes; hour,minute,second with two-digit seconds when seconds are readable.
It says 4,20,52
